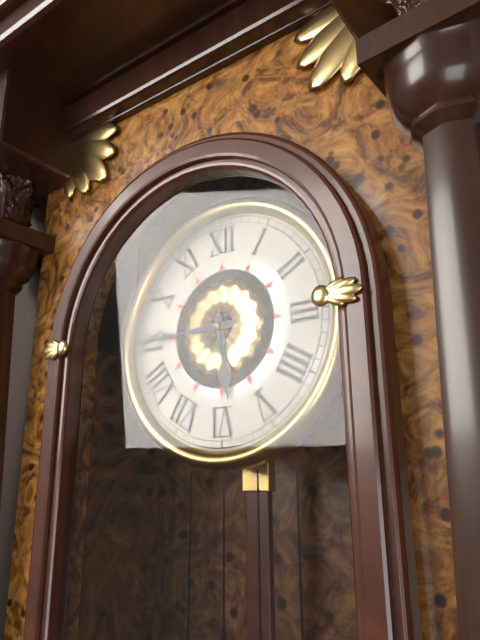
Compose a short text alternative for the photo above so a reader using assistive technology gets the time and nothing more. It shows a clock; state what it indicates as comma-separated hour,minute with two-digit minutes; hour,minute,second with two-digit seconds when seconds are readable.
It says 5,45
